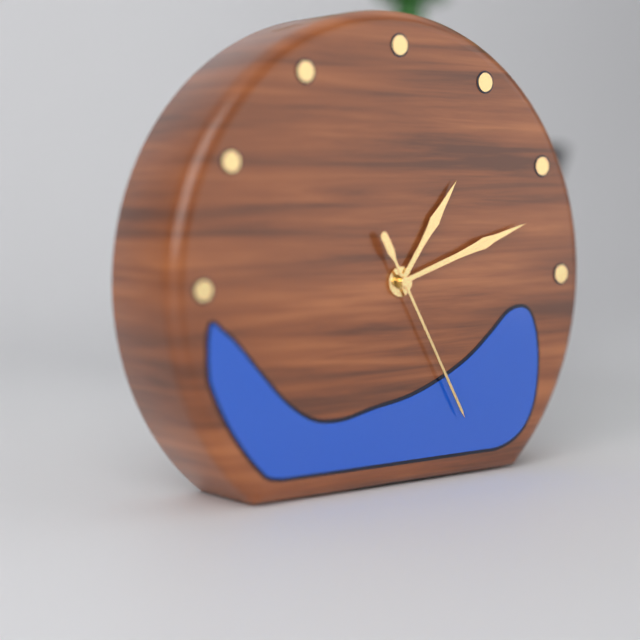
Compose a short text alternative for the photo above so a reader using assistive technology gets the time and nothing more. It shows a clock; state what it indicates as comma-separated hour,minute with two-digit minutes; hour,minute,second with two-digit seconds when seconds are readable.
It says 1,12,25
